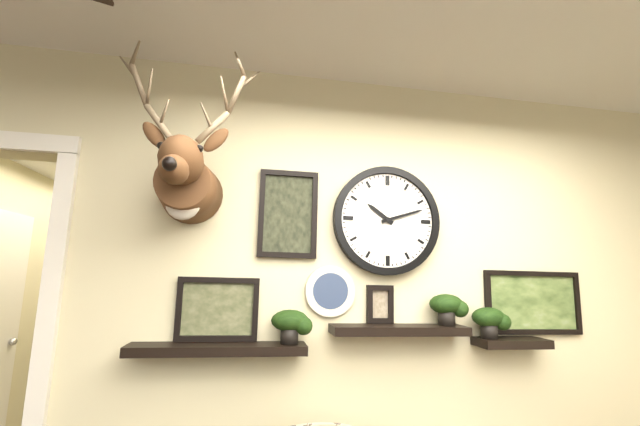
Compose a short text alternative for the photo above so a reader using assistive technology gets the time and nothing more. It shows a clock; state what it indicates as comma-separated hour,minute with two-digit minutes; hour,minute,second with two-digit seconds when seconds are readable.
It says 10,12
